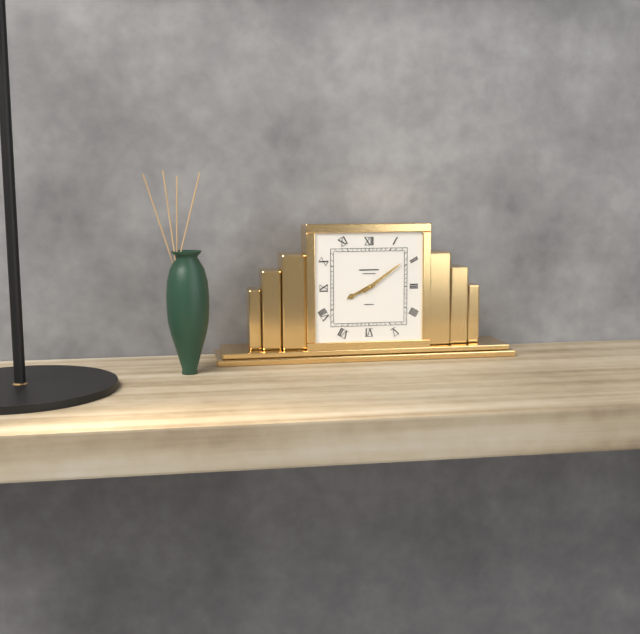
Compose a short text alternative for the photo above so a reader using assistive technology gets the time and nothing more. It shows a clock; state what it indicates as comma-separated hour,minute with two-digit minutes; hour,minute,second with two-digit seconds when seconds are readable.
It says 8,09
